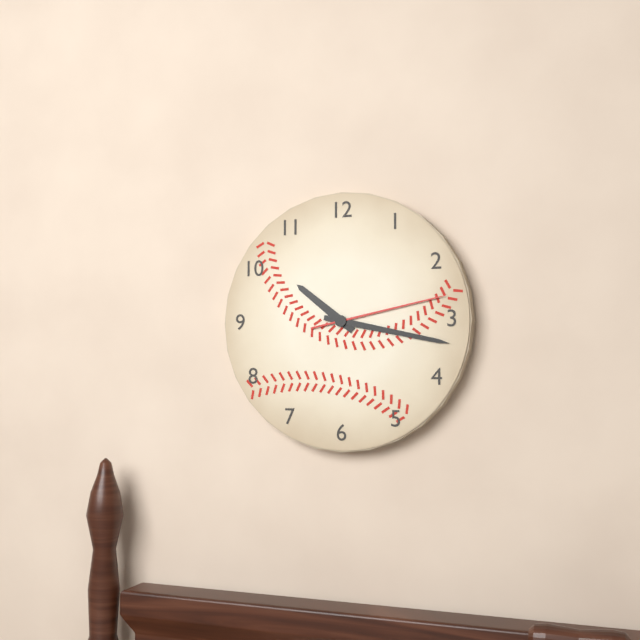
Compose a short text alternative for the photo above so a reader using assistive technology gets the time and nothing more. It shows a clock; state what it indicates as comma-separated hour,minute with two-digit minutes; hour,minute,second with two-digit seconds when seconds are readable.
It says 10,17,13
